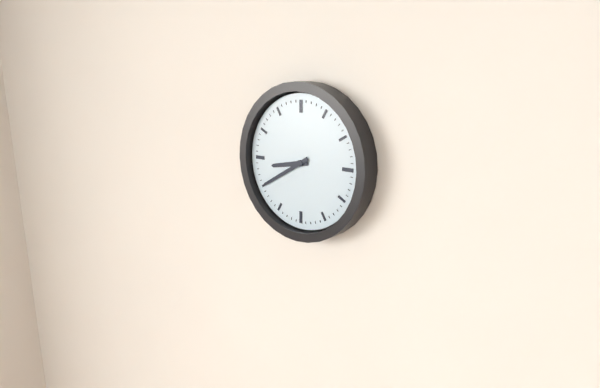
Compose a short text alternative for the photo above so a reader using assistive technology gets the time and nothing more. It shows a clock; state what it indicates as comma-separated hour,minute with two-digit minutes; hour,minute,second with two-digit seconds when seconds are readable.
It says 8,40
